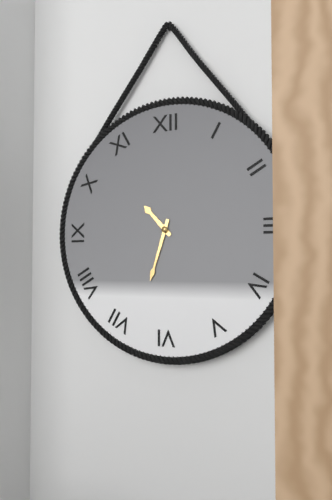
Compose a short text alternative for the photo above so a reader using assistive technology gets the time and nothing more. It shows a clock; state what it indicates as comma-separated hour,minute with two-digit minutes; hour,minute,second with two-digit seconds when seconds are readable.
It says 10,33
